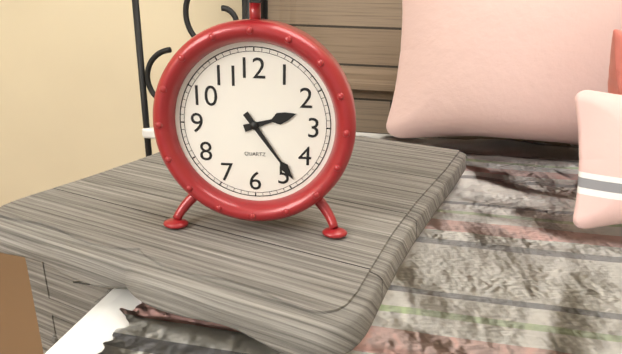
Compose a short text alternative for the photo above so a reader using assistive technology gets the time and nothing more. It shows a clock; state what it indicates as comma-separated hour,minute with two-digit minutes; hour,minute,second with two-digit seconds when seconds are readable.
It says 2,24
